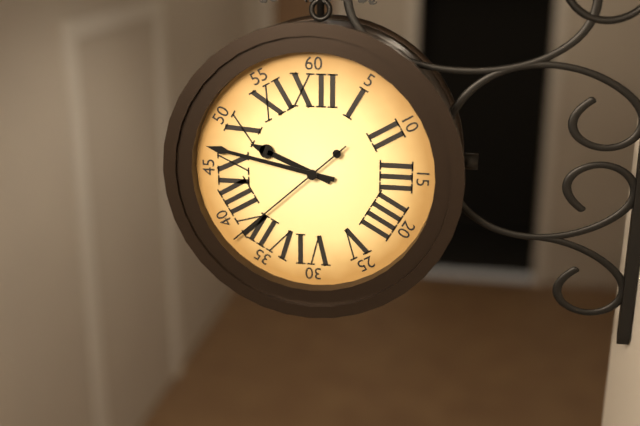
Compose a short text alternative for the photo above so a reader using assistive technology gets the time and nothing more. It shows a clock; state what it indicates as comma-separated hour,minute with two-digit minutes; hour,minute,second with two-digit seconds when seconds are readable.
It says 9,47,38
